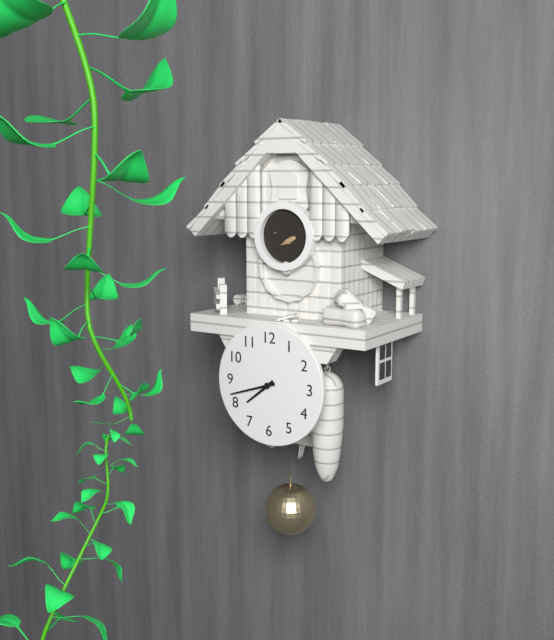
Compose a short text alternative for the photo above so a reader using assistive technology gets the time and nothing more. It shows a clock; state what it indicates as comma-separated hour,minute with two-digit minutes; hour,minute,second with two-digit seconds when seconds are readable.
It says 7,42
